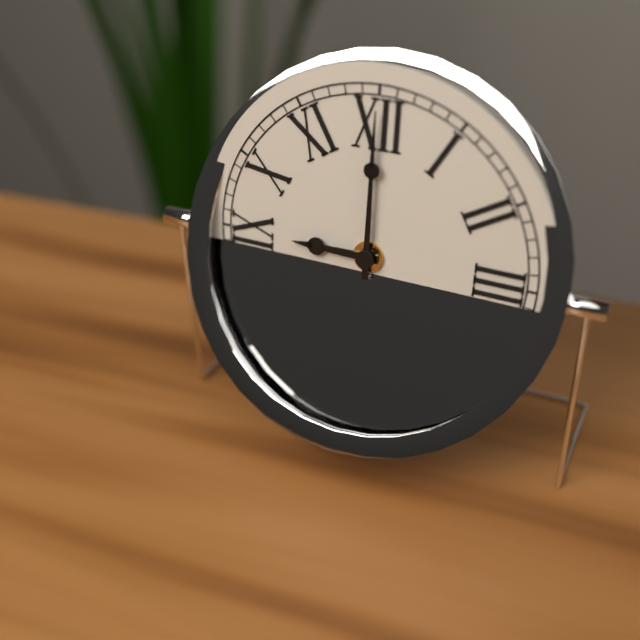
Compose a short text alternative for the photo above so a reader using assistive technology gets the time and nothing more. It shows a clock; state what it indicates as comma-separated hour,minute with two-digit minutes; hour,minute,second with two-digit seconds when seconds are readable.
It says 9,00
